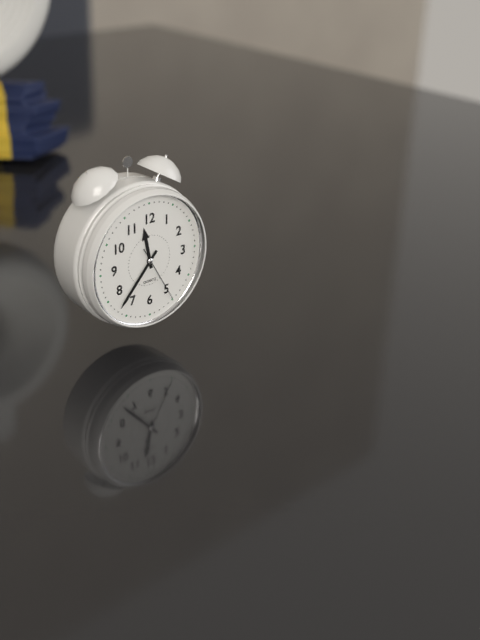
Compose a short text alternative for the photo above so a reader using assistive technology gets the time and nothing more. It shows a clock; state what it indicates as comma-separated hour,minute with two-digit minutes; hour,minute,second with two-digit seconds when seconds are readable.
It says 11,37,25
